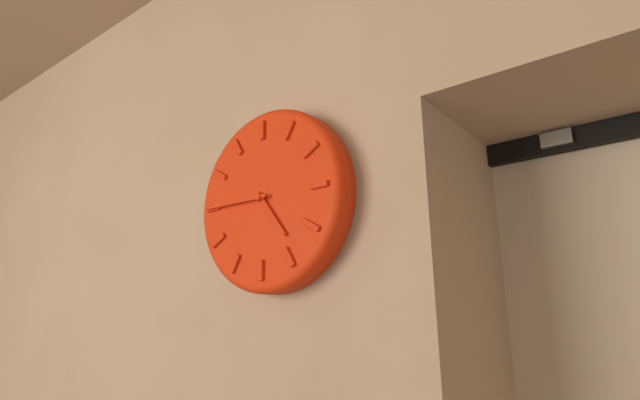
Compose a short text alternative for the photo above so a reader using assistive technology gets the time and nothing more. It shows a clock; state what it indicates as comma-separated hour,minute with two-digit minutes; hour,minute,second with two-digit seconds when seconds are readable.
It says 4,45
